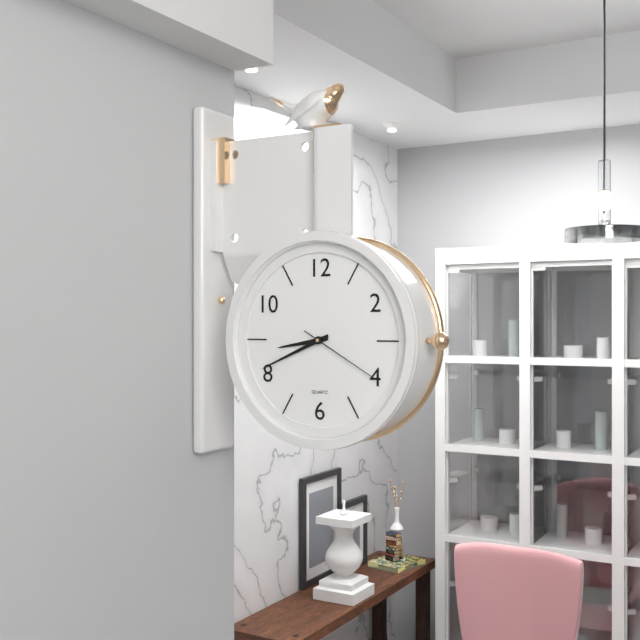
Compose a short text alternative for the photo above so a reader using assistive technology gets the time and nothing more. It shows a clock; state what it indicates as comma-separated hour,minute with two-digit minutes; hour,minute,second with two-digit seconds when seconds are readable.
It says 8,41,20
